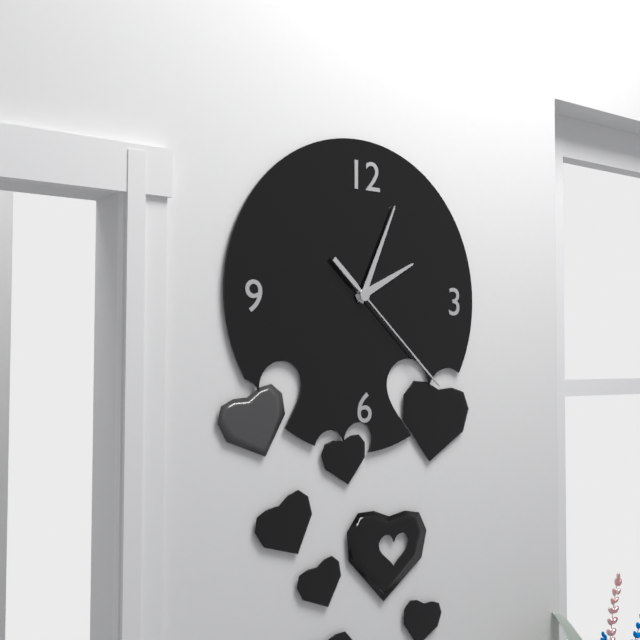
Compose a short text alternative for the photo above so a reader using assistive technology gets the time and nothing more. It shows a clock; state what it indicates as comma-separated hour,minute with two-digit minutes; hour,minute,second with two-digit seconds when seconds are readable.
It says 2,04,22
